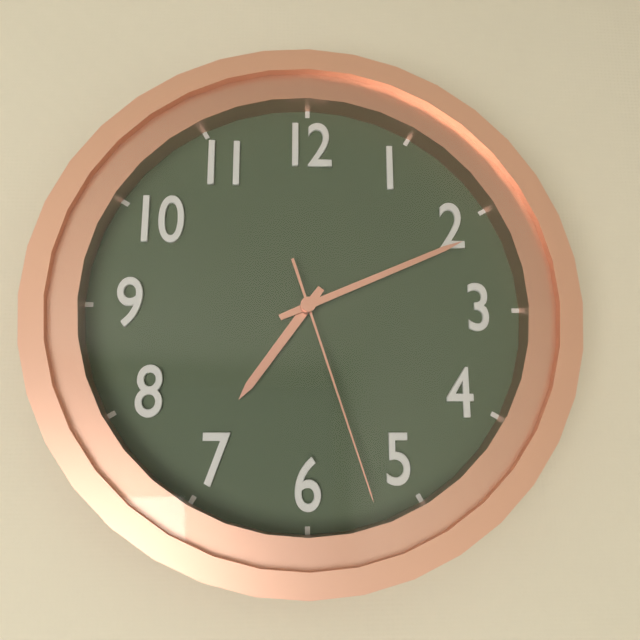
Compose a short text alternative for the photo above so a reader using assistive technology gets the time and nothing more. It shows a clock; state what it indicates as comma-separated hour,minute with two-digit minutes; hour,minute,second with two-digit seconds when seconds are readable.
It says 7,11,27
